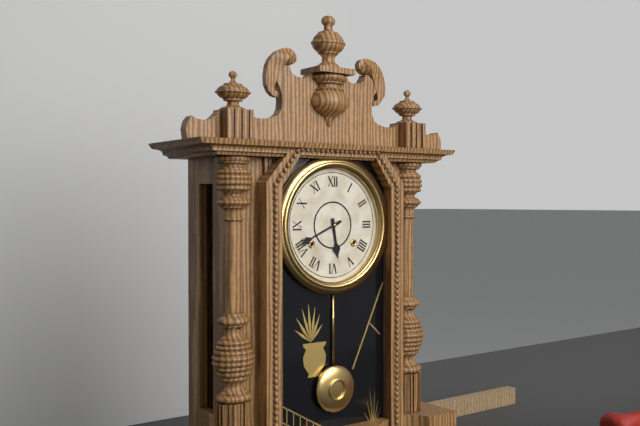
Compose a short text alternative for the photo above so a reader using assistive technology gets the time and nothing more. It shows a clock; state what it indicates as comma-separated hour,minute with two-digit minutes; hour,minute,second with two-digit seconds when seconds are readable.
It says 5,41
